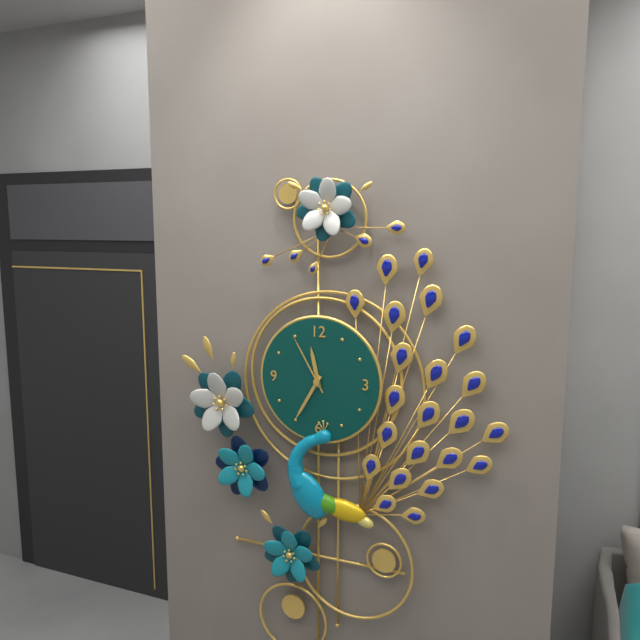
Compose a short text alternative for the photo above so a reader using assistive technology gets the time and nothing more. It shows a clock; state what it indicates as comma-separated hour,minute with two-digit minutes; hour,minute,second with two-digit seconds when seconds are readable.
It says 11,35,55
